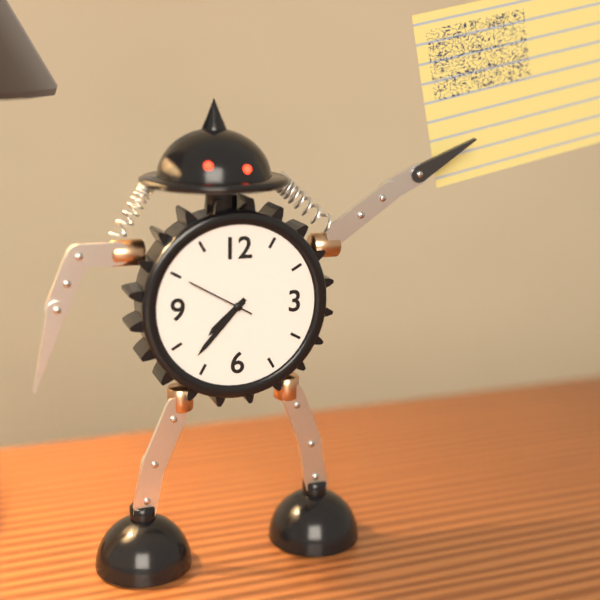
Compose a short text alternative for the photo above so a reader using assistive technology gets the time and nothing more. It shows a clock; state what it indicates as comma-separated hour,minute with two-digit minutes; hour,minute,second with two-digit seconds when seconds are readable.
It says 7,37,50
